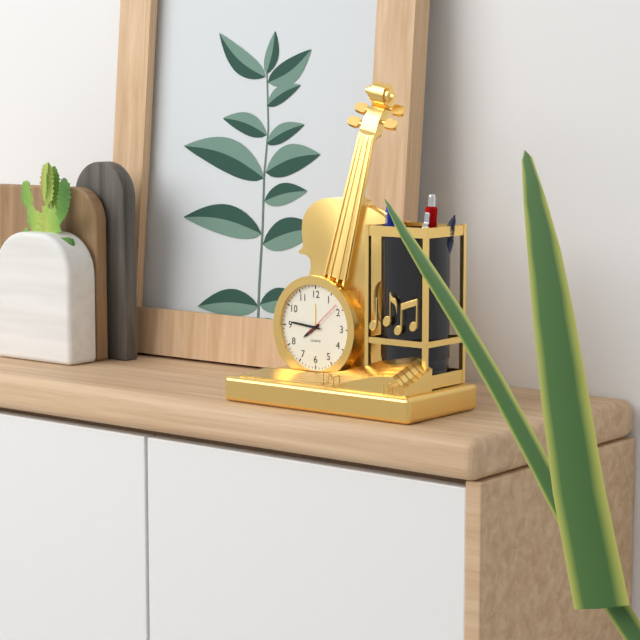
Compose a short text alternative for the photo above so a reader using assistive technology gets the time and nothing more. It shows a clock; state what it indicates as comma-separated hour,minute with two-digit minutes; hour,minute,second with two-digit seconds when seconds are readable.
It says 7,46
